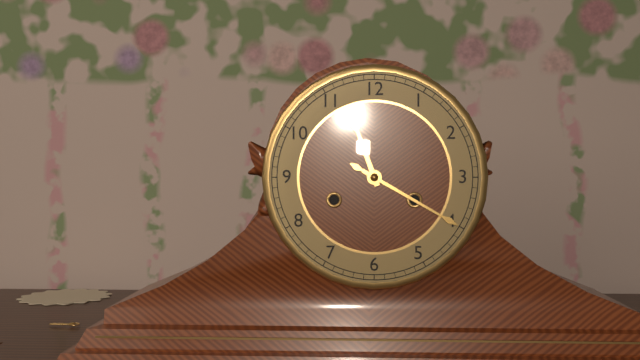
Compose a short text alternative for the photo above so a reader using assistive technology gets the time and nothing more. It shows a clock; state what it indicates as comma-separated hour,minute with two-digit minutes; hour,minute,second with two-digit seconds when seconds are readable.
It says 11,20
